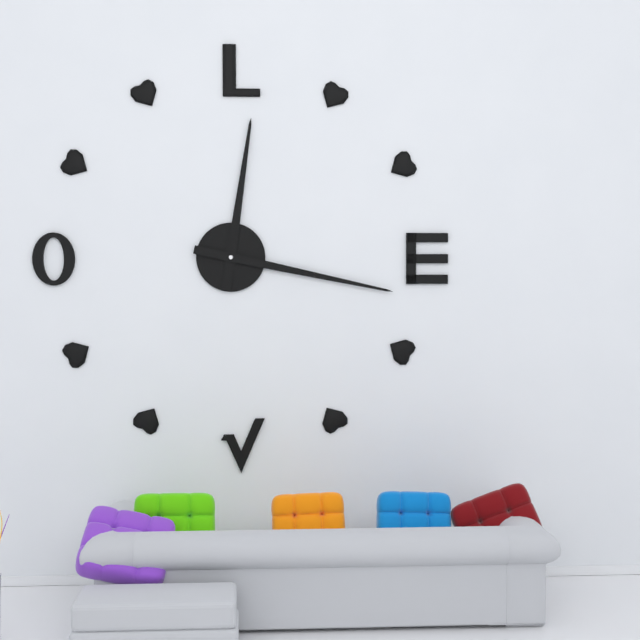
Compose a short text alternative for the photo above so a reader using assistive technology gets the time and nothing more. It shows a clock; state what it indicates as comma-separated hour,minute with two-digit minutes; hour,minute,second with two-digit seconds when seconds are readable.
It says 12,17
